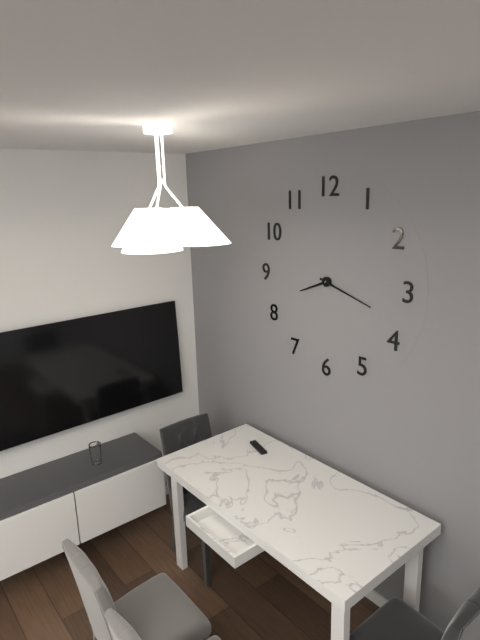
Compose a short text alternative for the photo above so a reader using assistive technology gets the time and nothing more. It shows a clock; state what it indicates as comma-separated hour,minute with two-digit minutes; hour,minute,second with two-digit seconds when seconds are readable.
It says 8,18
